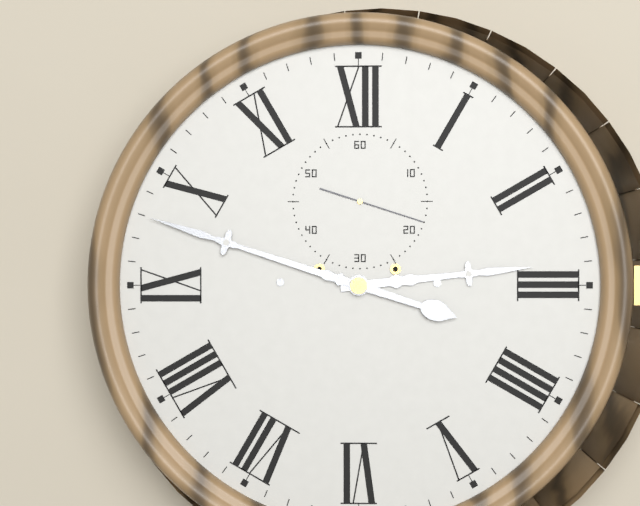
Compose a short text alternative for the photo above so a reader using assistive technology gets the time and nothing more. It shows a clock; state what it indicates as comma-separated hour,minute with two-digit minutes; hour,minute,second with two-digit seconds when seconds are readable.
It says 2,48,18
